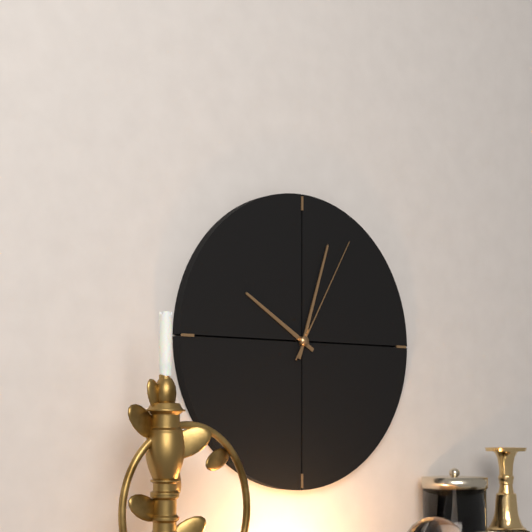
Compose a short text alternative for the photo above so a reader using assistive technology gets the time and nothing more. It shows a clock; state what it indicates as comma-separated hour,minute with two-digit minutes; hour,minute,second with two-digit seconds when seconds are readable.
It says 10,03,05
